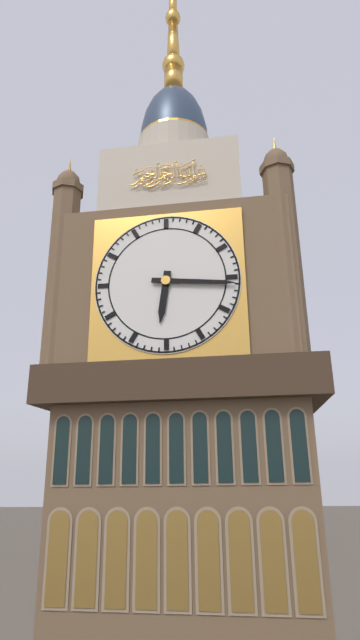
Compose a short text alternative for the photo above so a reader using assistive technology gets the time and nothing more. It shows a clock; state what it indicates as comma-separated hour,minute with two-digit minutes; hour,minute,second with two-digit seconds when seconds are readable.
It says 6,16
